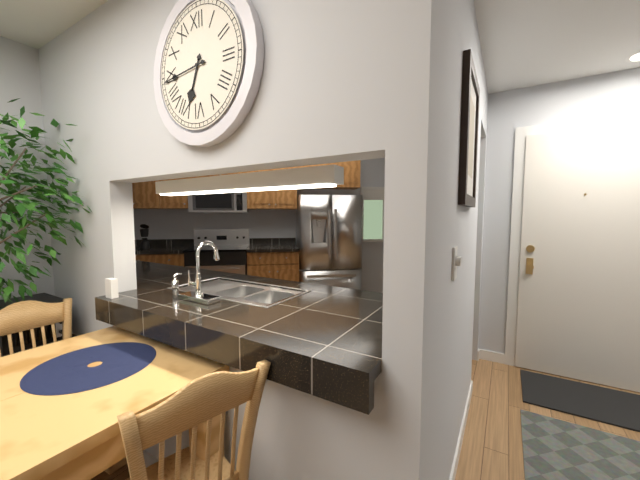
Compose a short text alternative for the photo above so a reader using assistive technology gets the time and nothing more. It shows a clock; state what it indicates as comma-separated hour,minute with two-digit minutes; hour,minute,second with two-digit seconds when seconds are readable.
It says 6,44
